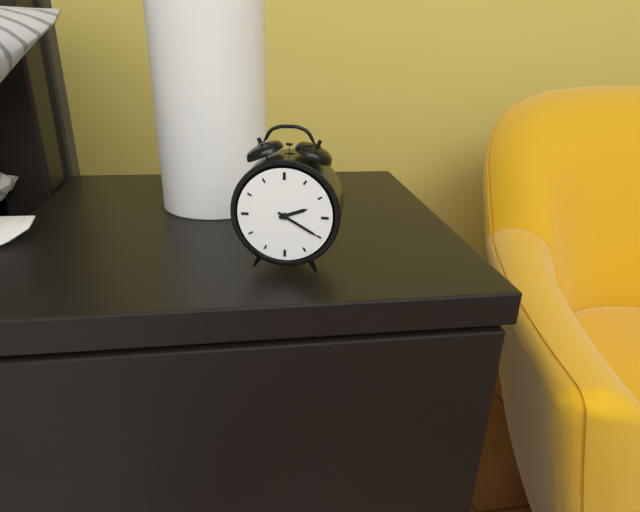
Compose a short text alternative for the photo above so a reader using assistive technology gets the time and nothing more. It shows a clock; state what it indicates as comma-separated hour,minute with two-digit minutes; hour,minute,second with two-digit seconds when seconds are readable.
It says 2,20
